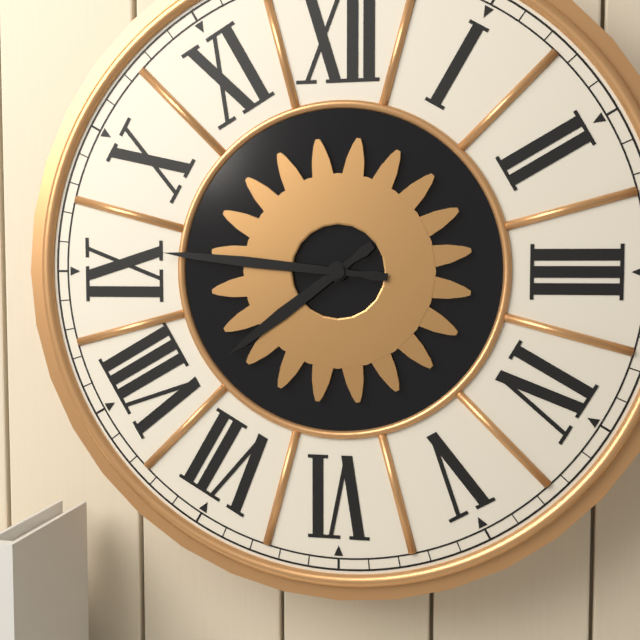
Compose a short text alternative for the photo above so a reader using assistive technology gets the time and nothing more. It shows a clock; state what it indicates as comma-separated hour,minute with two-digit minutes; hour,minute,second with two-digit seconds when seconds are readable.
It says 7,46
